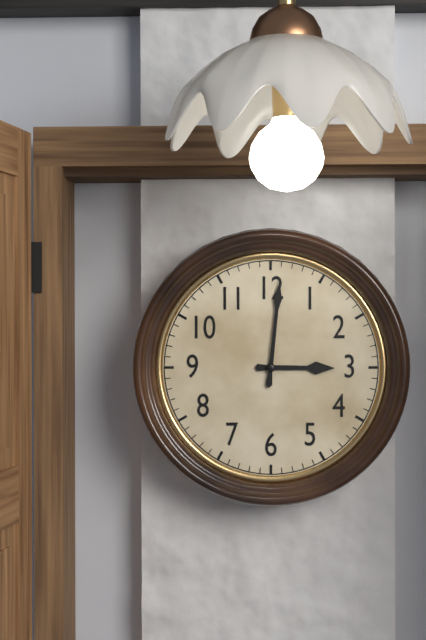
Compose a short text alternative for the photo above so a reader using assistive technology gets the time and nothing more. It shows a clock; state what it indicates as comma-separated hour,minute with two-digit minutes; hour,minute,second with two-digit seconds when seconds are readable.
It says 3,01
